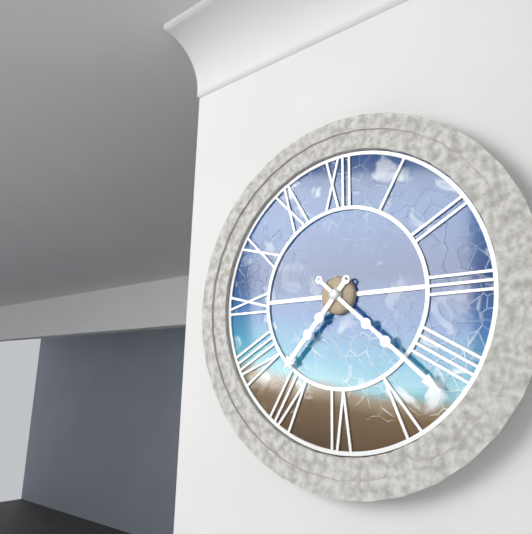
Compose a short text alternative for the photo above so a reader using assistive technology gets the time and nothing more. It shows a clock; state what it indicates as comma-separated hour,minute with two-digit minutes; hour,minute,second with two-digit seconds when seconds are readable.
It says 7,22
